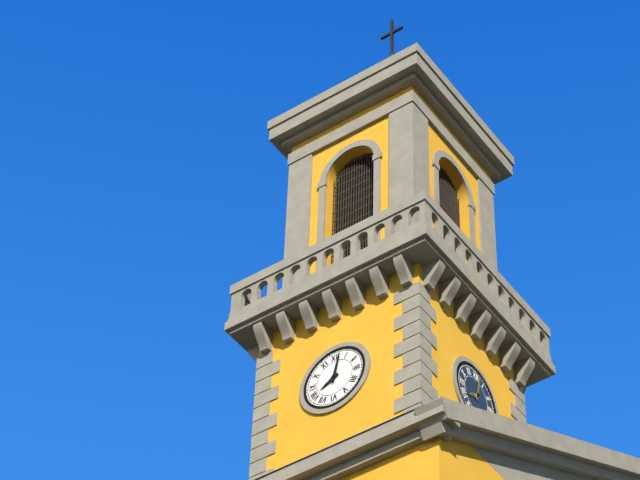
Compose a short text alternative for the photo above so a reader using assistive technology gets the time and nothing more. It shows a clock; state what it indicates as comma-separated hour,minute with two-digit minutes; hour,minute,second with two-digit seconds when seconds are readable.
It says 8,02
